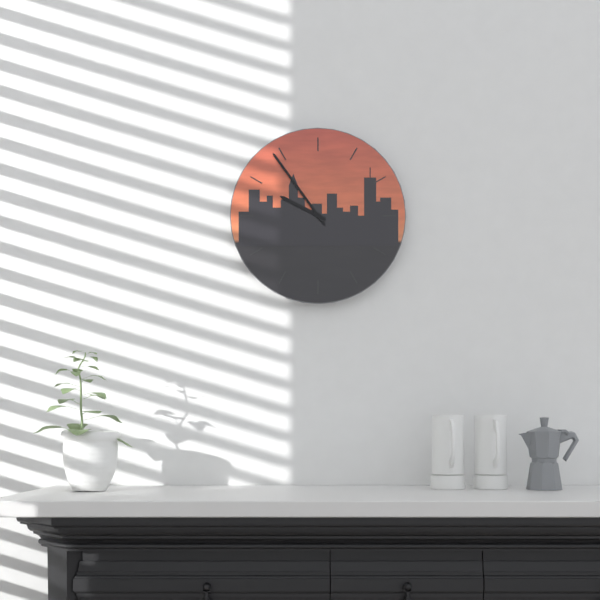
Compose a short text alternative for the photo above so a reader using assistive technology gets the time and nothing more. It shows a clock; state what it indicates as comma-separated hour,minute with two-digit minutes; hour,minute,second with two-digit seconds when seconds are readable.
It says 9,54
